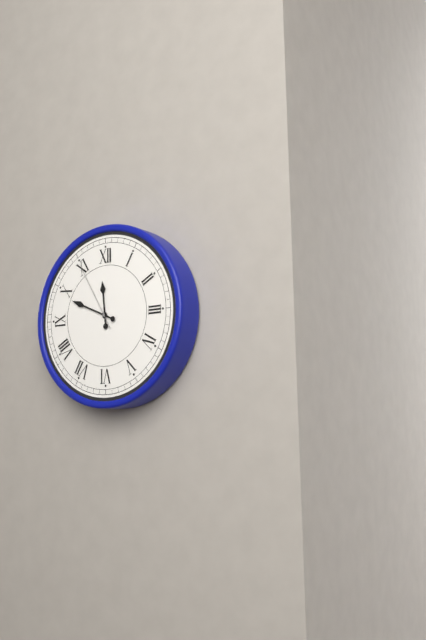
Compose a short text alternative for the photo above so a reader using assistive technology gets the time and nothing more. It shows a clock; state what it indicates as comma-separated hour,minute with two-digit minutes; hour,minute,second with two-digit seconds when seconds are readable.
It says 11,49,55
